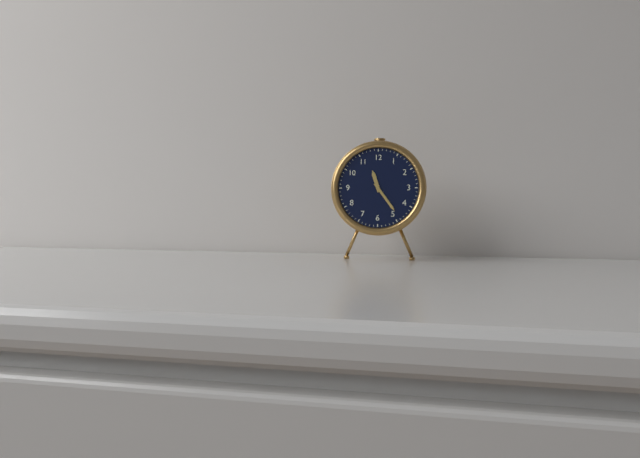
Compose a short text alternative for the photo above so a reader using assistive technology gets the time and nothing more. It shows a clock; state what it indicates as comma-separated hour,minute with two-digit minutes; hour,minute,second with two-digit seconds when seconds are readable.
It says 11,24
